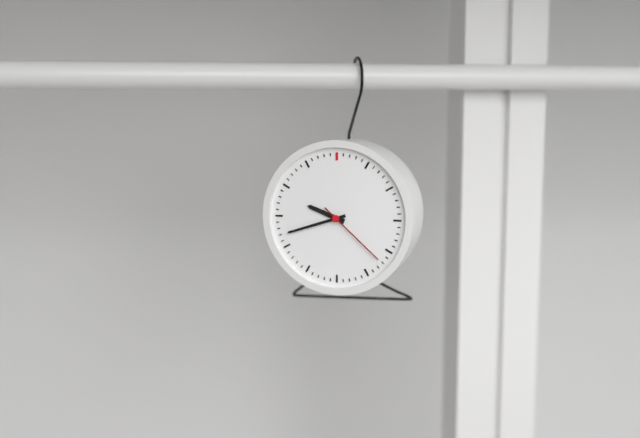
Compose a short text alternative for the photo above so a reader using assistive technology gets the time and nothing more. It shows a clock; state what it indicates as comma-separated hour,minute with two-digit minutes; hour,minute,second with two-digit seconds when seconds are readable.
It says 9,42,22
